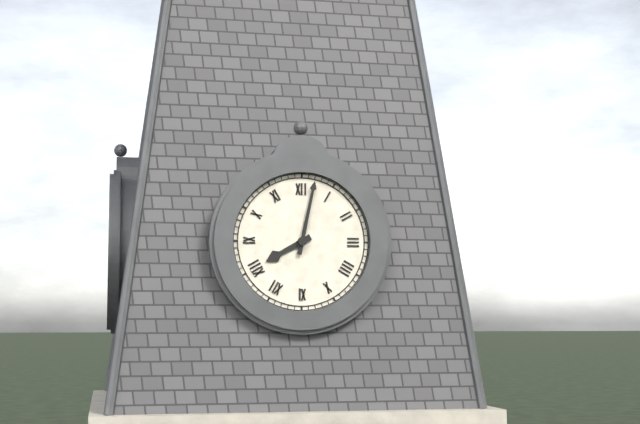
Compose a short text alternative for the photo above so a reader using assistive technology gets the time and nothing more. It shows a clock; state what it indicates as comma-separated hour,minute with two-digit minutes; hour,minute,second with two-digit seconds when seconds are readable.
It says 8,02
